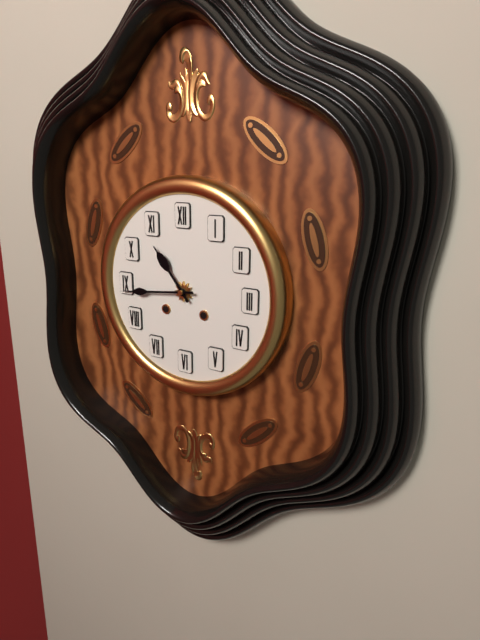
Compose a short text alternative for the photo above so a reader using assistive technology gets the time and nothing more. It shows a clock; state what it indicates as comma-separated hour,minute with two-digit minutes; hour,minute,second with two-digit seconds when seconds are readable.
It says 10,44
